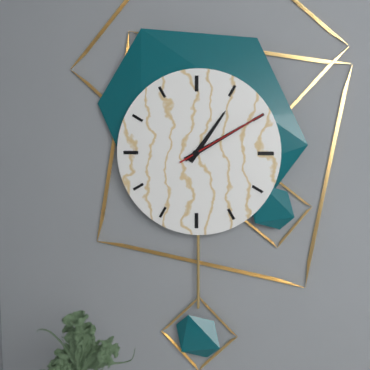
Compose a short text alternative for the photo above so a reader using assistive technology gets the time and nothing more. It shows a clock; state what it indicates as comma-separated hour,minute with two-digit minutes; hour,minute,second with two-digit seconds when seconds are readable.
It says 1,10,10
